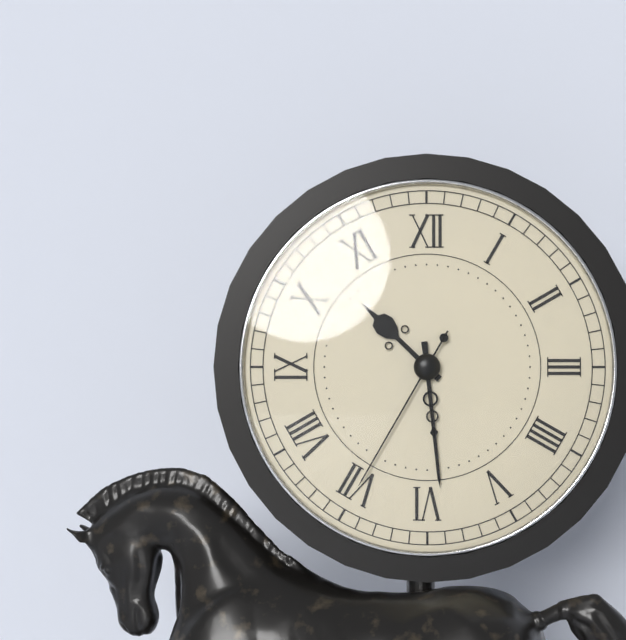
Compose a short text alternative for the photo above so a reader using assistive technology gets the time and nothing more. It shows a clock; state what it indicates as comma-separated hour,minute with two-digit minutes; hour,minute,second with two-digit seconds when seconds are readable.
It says 10,29,35
